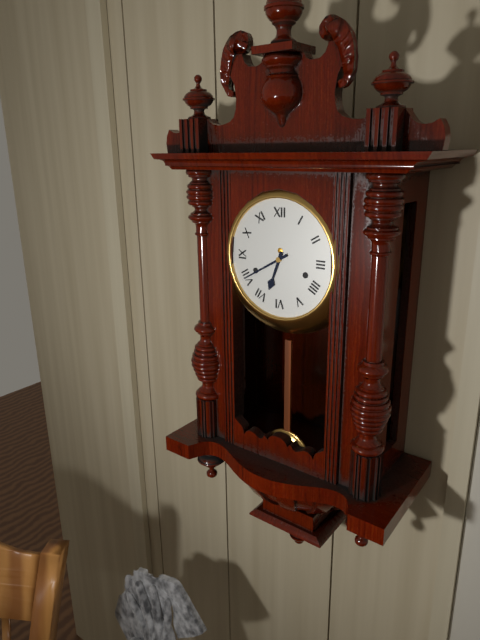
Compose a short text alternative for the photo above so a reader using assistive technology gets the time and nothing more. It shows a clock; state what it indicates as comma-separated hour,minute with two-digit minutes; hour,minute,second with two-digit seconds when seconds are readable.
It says 6,40
